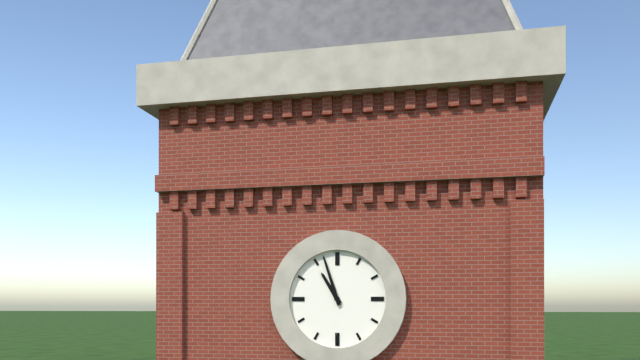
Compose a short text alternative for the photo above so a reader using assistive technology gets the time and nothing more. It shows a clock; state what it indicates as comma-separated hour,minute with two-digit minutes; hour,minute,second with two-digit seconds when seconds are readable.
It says 10,57
